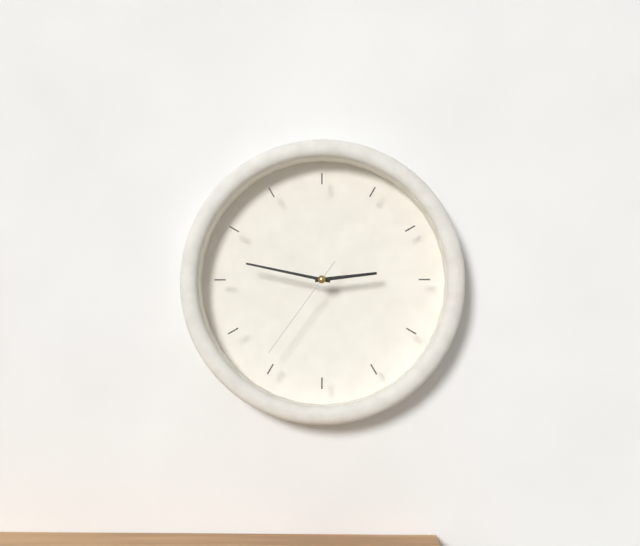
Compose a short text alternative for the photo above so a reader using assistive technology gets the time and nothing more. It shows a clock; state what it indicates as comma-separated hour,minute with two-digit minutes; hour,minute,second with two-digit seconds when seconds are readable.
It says 2,47,36
